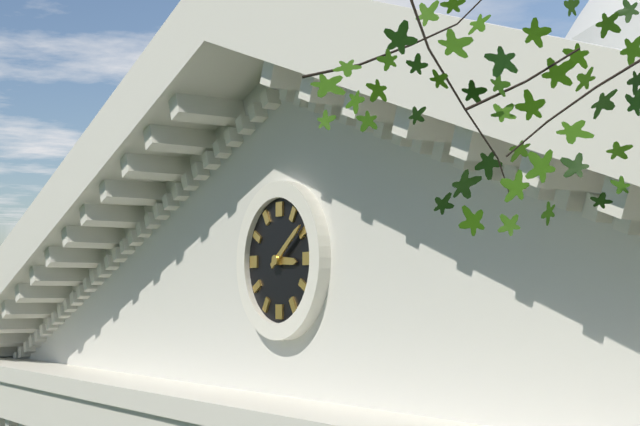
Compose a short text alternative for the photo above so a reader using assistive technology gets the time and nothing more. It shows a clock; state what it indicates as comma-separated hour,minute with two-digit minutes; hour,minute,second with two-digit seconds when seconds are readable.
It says 3,09
